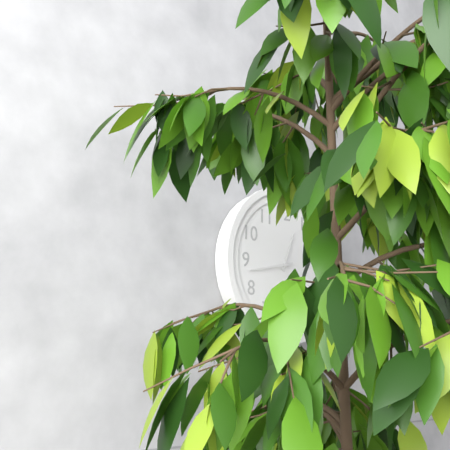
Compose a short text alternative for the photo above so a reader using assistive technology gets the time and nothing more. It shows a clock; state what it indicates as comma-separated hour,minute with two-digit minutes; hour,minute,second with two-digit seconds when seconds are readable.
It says 12,43
